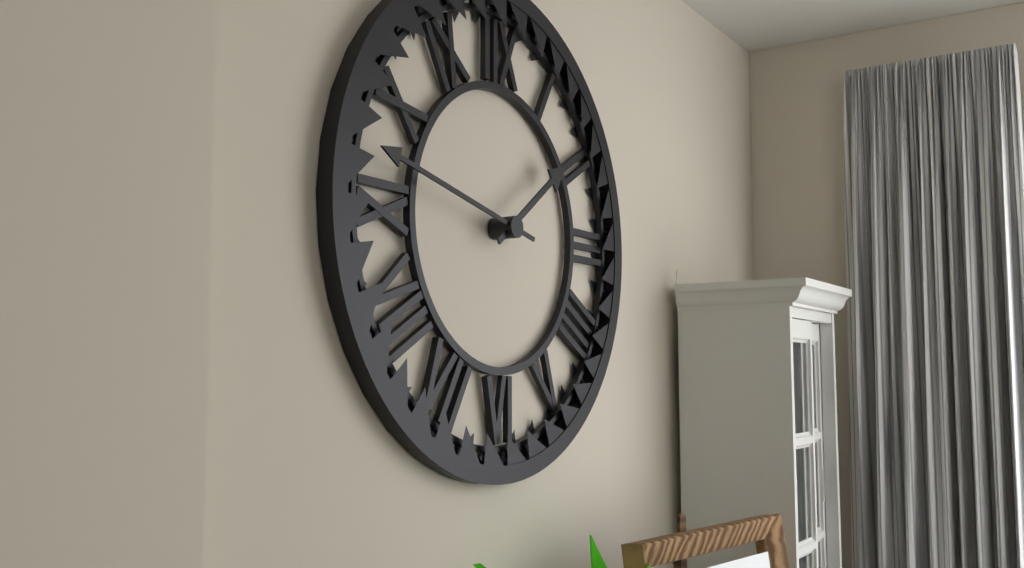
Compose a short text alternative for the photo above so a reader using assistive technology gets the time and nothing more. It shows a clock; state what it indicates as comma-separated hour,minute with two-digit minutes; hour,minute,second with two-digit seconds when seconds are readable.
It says 1,47
